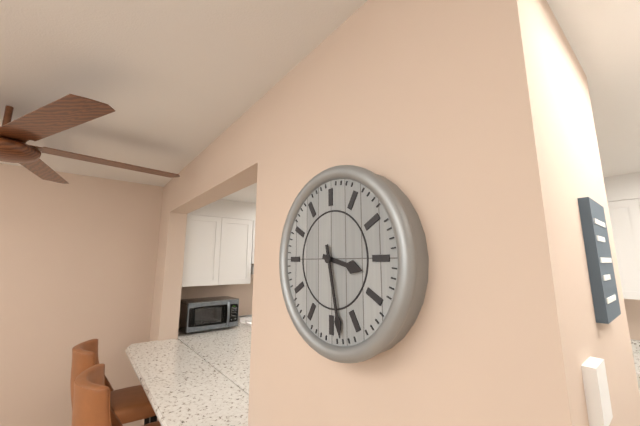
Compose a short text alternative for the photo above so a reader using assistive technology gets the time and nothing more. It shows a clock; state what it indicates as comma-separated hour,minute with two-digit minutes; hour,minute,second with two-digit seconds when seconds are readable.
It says 3,28
